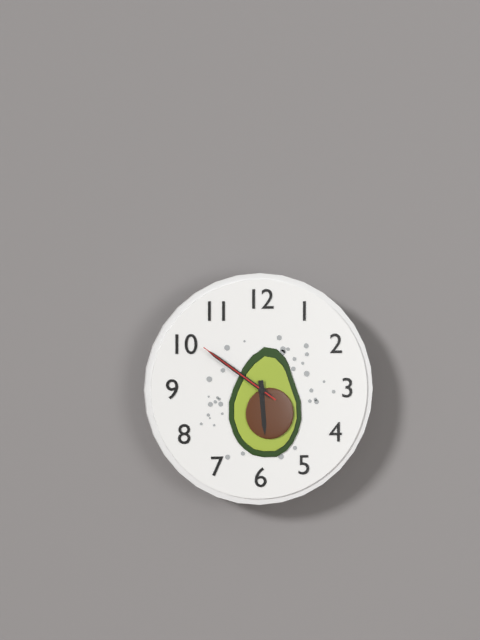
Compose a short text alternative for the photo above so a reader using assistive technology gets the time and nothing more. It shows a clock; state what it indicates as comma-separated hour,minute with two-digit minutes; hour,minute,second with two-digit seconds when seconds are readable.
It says 5,51,51
